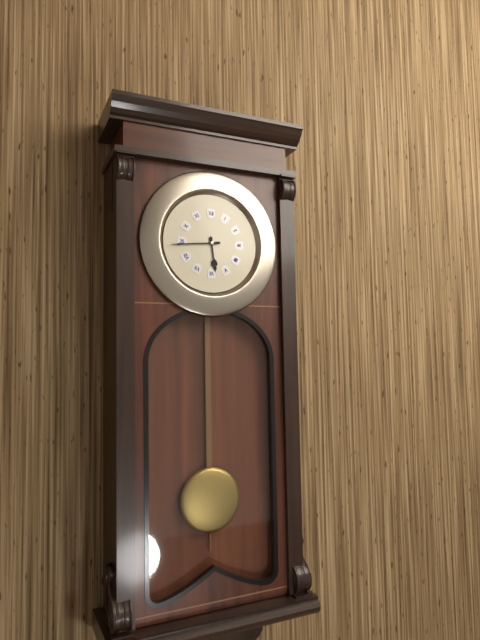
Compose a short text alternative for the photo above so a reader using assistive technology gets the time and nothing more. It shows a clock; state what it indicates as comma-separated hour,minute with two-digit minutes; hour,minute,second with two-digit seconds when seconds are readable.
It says 5,44
